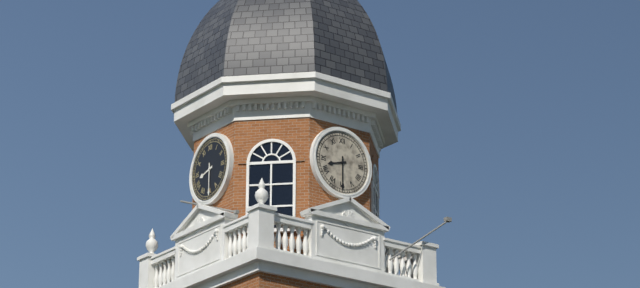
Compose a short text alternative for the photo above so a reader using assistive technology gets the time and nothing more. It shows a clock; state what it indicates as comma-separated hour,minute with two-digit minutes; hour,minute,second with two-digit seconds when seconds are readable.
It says 8,30
